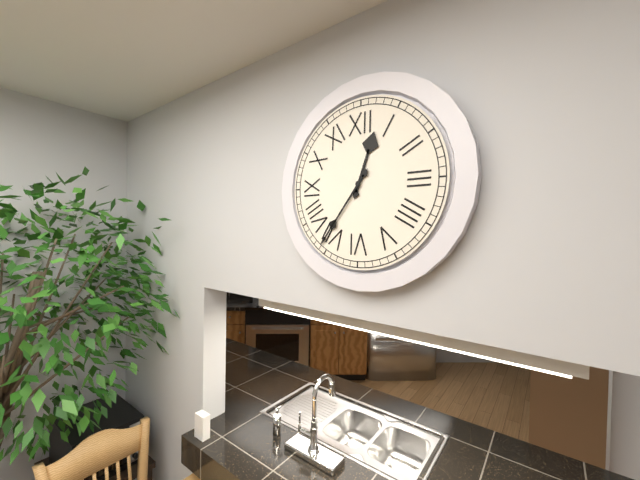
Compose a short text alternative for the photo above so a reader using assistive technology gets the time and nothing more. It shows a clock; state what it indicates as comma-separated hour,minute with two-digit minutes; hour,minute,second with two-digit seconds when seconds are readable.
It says 12,36
